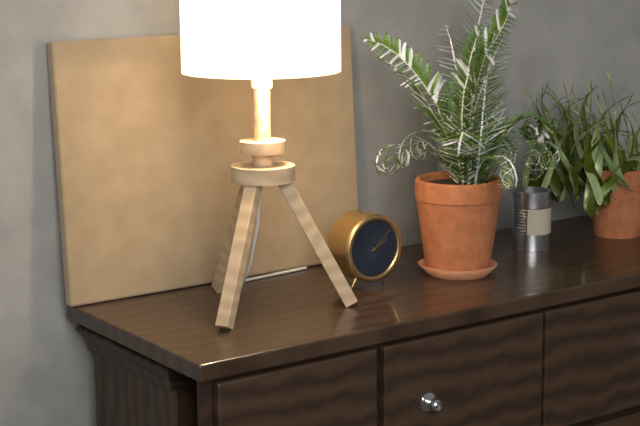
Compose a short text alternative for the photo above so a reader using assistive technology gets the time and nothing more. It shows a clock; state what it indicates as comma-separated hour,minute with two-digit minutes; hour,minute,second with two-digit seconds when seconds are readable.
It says 2,08
